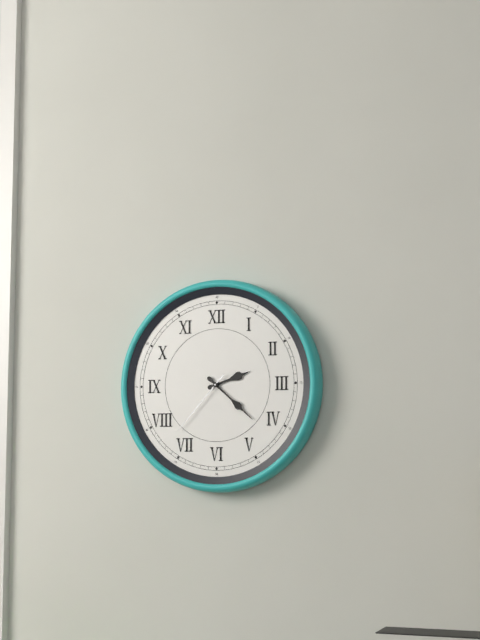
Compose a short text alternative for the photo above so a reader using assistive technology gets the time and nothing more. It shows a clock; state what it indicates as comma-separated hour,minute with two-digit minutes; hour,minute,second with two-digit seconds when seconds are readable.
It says 2,22,37
